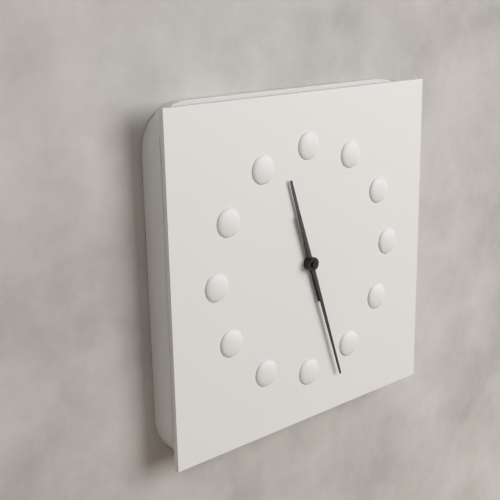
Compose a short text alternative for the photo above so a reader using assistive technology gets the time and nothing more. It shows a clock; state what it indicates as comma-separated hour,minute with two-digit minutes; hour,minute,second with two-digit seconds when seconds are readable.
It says 11,27
